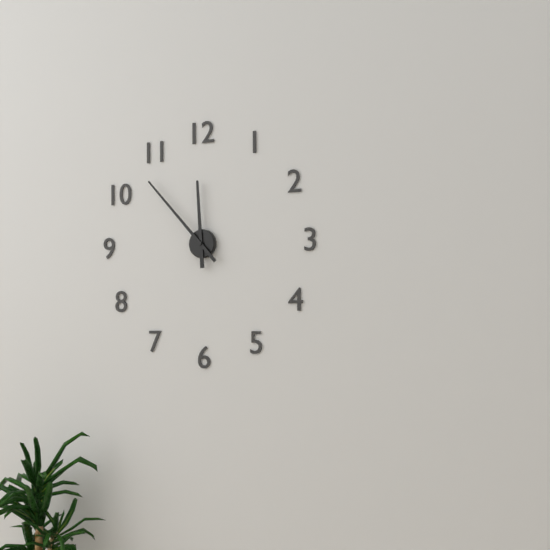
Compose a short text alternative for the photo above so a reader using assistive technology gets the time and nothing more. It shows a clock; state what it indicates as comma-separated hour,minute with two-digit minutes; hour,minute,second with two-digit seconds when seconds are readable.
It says 11,53
